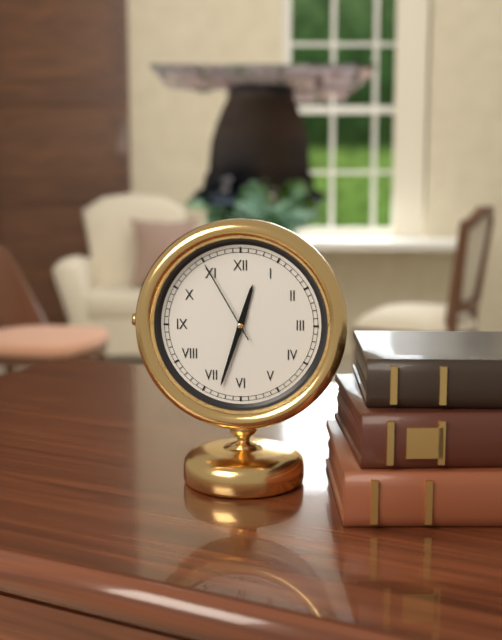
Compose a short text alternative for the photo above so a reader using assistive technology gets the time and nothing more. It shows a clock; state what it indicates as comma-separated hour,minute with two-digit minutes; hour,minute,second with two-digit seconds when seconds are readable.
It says 12,33,55
